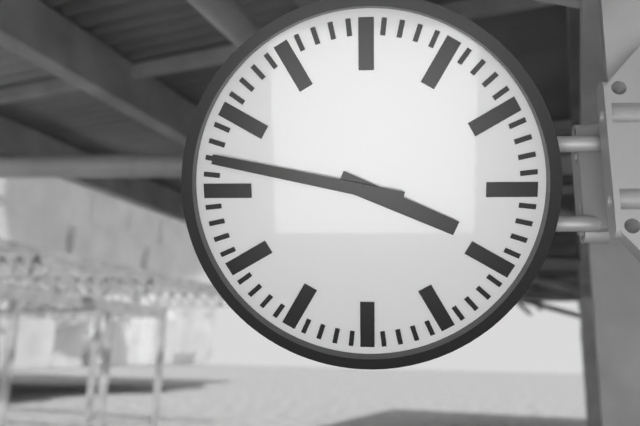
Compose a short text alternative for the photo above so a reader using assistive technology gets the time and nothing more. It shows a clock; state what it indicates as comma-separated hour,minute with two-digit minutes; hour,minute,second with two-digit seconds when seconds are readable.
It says 3,47
